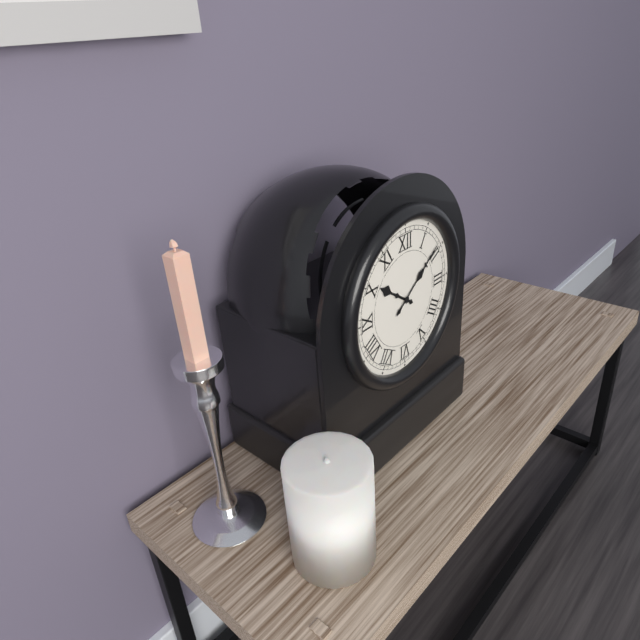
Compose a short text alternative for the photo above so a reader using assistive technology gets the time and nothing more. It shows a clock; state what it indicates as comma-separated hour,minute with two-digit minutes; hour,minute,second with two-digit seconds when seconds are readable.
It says 10,09
